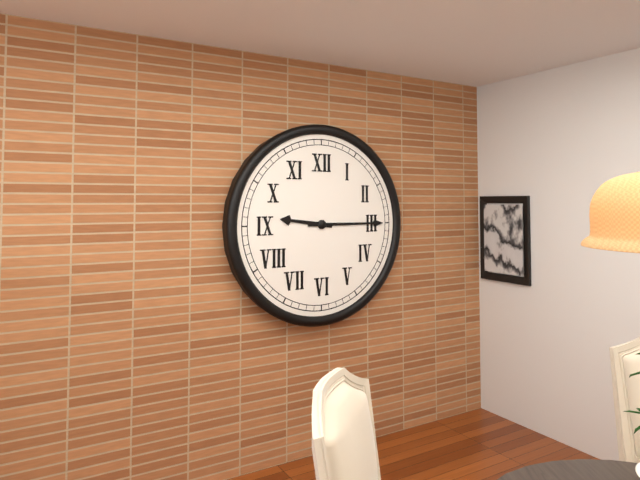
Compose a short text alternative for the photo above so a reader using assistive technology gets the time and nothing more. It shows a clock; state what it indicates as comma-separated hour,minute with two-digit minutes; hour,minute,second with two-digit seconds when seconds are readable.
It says 9,15
